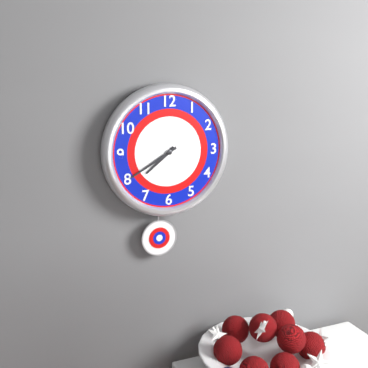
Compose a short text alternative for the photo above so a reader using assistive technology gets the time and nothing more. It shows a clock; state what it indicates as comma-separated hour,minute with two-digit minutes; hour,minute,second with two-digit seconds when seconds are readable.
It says 7,40
